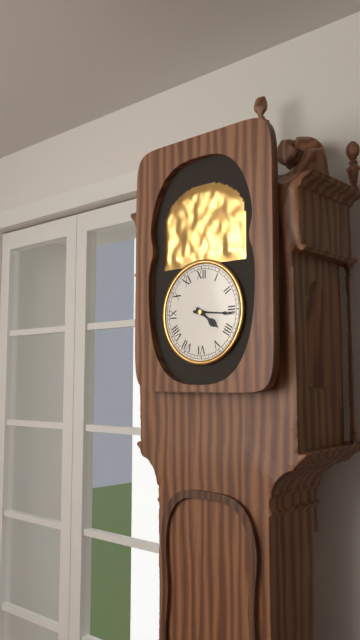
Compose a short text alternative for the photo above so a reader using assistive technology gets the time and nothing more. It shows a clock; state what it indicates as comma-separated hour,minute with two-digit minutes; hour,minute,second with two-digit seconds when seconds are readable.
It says 4,16
